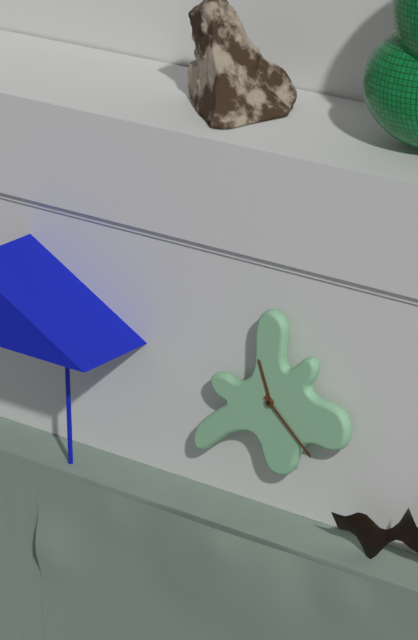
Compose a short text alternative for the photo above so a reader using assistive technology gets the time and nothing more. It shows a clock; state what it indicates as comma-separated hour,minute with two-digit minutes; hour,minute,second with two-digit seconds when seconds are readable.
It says 11,22
